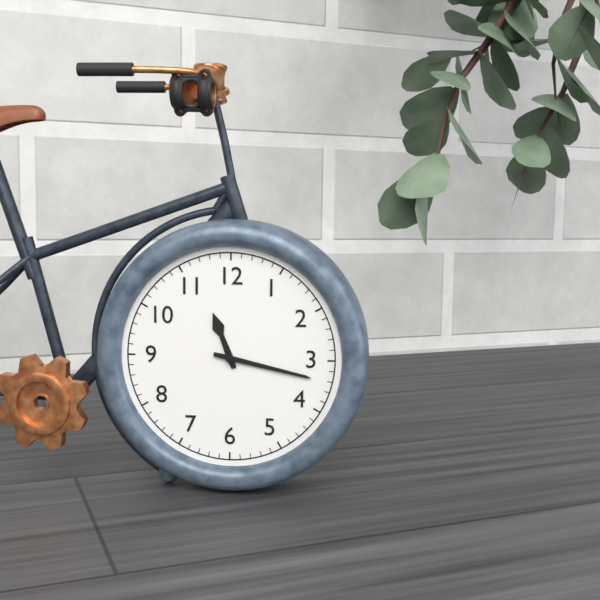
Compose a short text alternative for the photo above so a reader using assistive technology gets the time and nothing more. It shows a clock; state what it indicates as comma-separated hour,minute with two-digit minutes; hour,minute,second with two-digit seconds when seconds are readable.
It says 11,17
